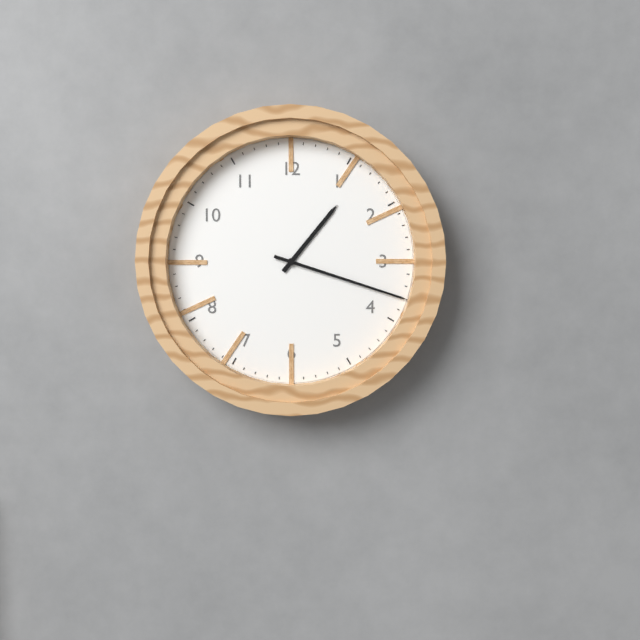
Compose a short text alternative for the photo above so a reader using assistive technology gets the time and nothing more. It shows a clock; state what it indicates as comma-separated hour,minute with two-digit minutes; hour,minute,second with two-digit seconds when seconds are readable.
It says 1,18
